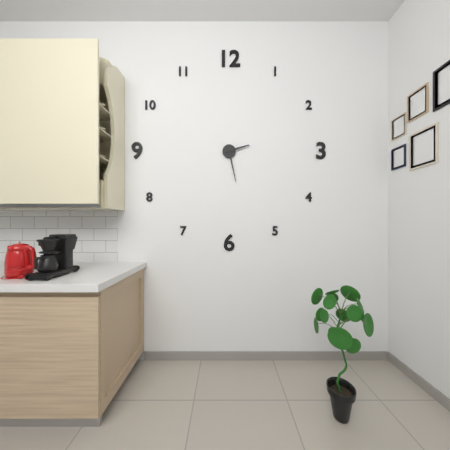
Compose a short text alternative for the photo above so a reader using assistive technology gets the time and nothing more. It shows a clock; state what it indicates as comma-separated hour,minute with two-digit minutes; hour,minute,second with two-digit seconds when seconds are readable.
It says 2,28
